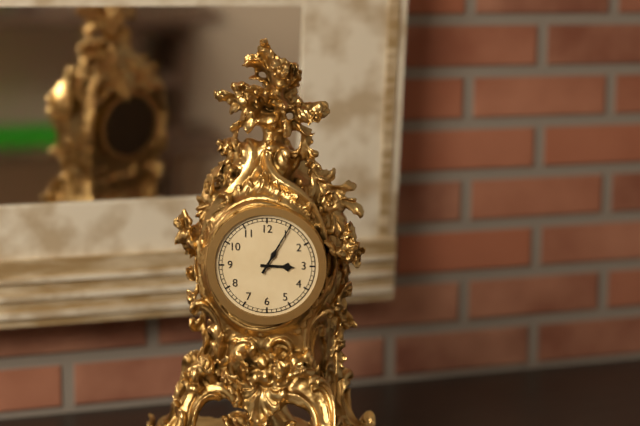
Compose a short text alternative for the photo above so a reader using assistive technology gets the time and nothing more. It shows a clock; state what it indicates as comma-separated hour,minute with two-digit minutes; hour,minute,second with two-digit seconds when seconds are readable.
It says 3,05
